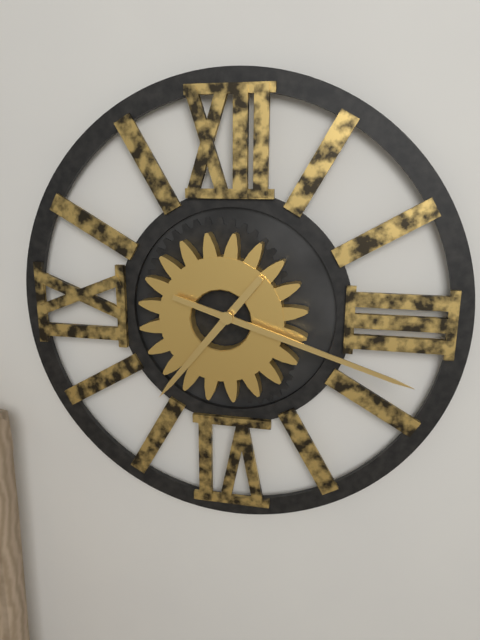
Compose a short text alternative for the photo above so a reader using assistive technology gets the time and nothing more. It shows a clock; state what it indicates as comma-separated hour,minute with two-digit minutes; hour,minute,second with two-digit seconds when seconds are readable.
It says 7,18
